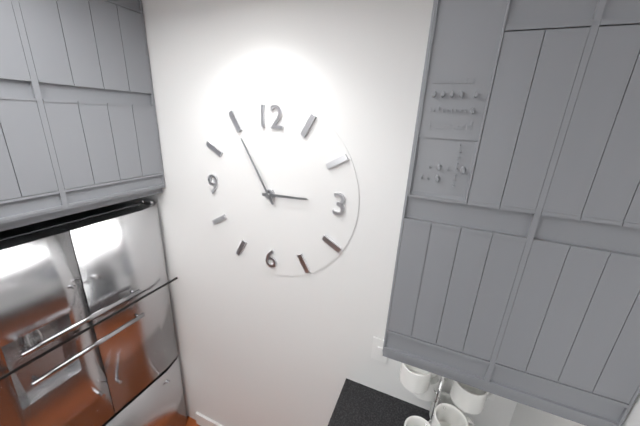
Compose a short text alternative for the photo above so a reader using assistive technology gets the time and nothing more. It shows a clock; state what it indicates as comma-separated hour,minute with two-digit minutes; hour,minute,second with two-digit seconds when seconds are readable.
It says 2,55
